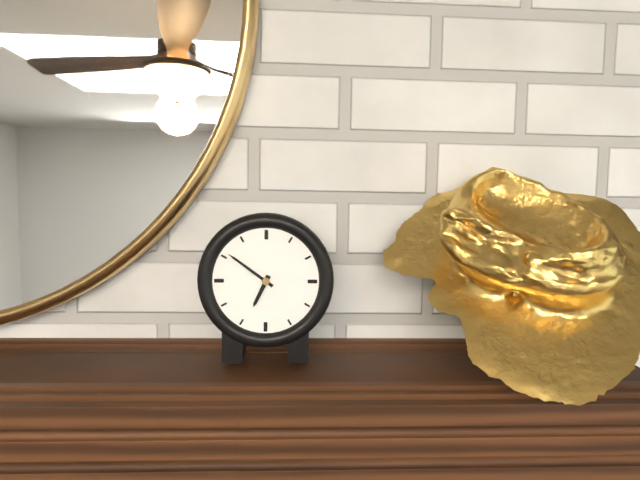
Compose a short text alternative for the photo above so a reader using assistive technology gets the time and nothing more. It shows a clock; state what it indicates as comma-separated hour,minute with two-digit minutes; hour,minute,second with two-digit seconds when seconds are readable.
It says 6,51
